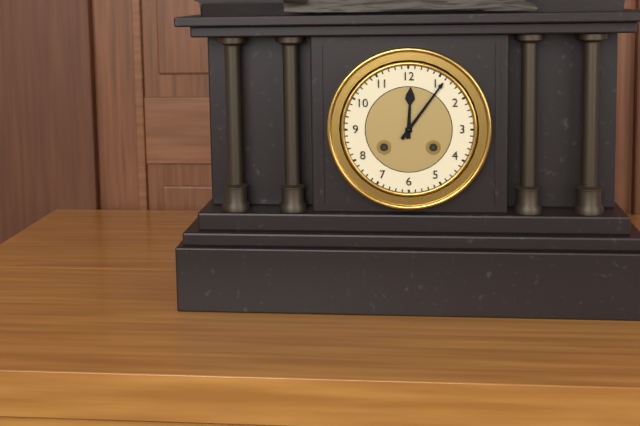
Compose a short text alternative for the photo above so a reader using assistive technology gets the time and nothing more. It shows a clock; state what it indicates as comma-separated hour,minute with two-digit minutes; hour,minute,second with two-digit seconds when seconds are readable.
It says 12,06
